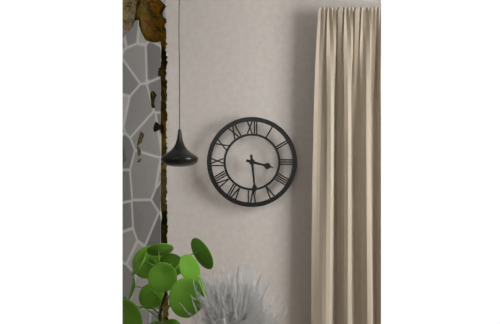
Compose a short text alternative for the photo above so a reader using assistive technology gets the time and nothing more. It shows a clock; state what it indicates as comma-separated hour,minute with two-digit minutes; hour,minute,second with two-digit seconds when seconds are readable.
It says 3,29
